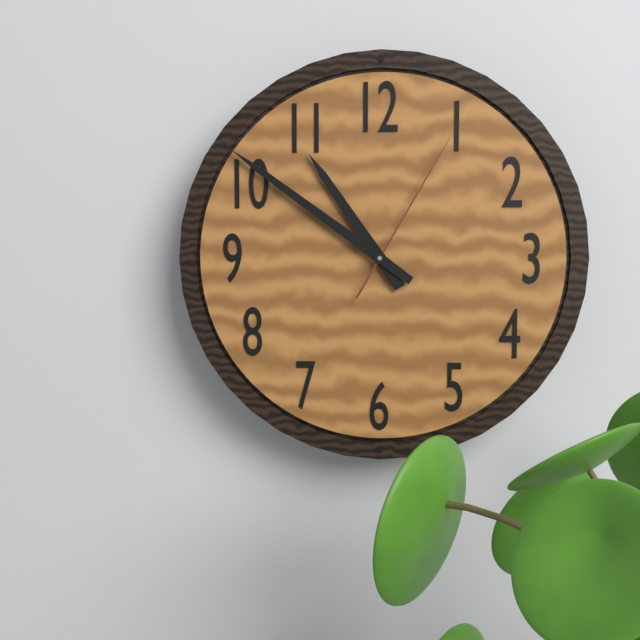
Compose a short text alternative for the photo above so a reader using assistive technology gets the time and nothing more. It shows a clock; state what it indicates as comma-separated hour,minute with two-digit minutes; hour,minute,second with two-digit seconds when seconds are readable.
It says 10,51,05
